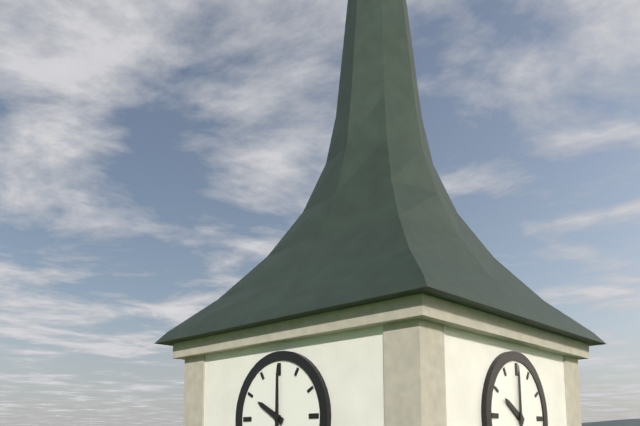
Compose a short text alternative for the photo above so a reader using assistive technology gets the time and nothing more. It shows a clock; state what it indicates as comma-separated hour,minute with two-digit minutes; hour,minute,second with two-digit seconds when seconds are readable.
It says 10,00
